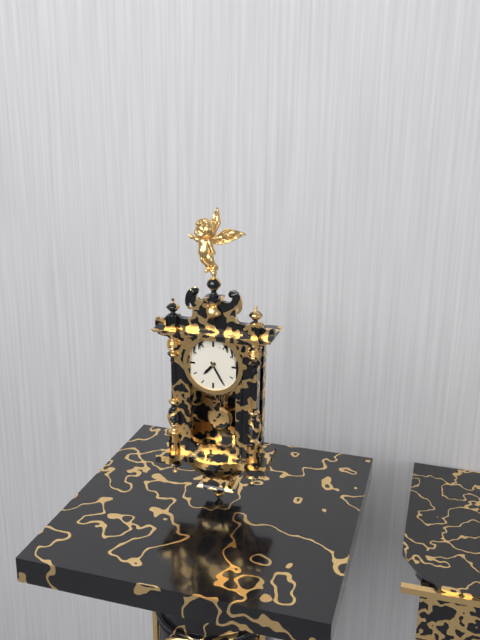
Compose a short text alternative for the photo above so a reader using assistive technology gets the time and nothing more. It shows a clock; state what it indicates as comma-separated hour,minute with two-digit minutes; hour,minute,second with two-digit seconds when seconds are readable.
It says 7,25
